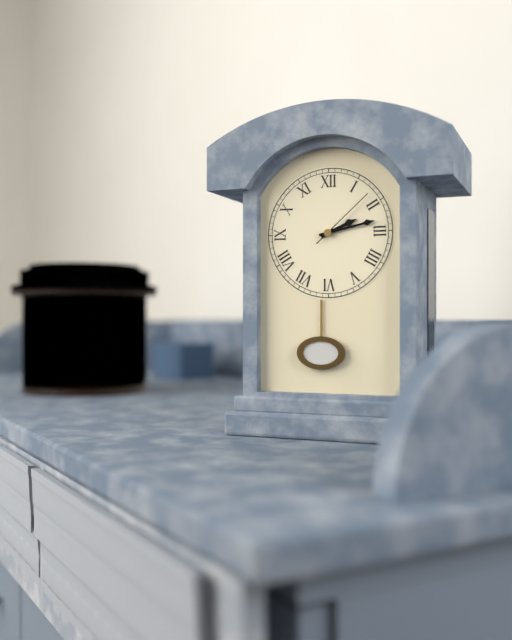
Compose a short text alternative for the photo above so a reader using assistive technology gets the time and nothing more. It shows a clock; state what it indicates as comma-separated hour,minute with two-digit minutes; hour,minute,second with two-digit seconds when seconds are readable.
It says 2,13,08
